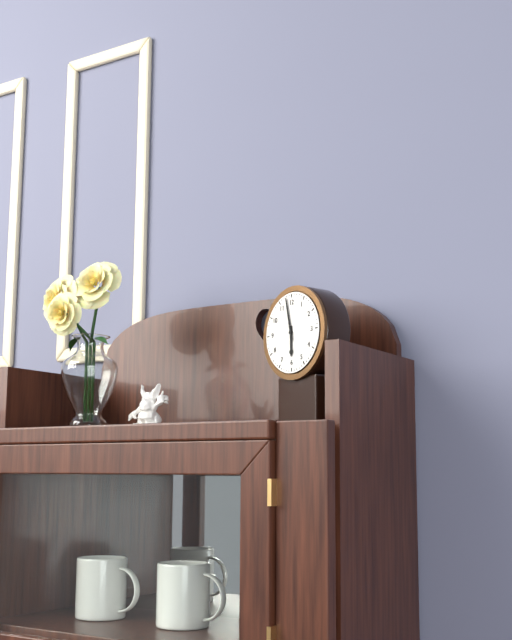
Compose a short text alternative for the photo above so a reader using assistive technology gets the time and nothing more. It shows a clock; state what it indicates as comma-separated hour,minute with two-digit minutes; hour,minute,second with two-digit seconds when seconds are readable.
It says 5,58
